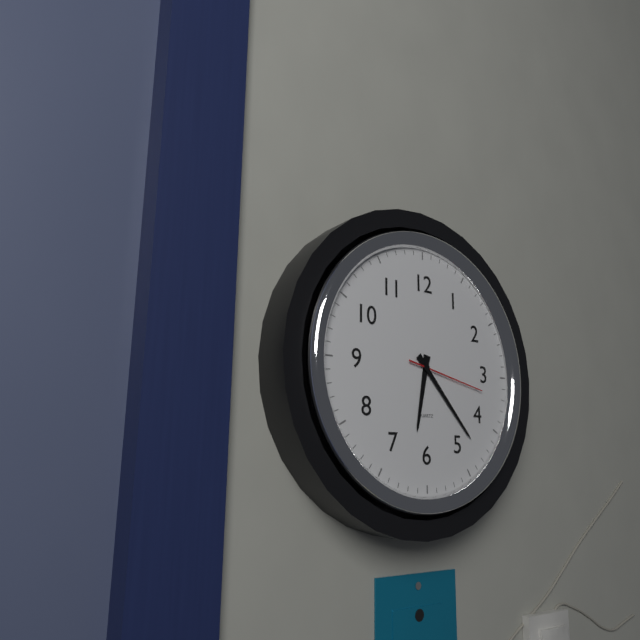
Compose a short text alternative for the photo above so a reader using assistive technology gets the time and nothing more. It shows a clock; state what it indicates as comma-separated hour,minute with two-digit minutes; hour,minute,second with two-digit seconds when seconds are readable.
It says 6,23,17
